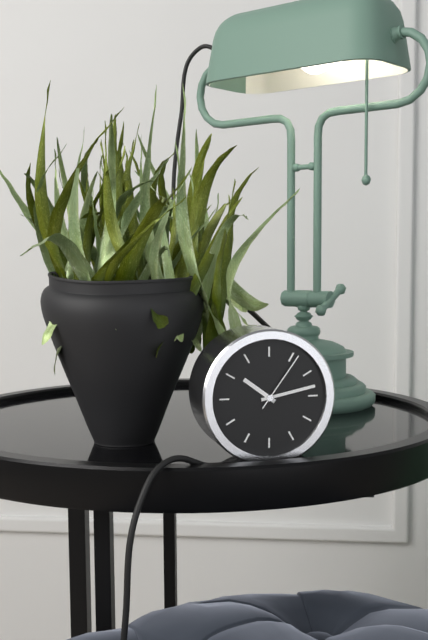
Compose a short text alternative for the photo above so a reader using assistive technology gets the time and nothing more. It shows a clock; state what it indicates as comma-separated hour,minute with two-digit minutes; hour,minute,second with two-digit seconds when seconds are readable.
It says 10,13,06
